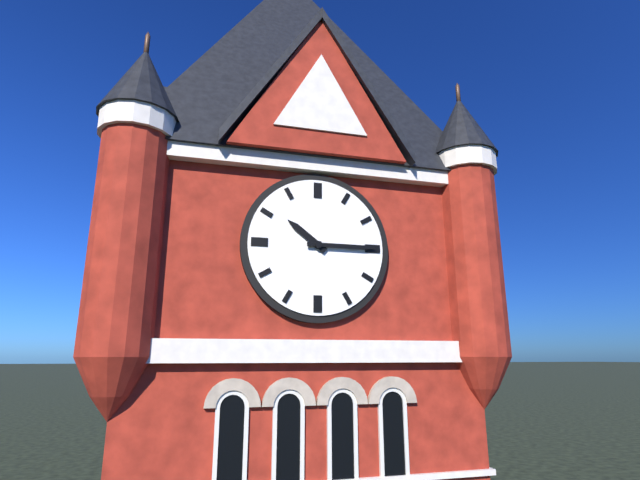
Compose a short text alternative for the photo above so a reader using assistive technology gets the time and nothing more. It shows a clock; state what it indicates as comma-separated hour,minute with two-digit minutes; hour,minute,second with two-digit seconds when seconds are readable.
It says 10,15
